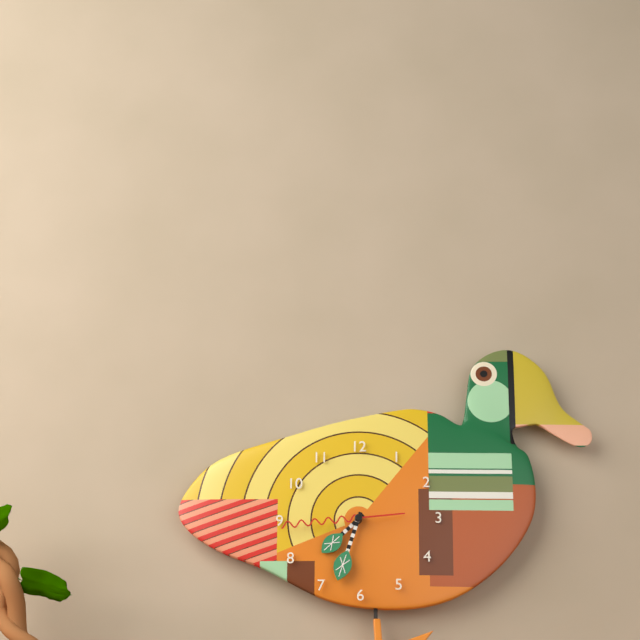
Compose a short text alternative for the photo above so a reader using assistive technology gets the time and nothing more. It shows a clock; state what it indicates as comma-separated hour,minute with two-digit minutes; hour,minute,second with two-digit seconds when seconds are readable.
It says 7,33,44
